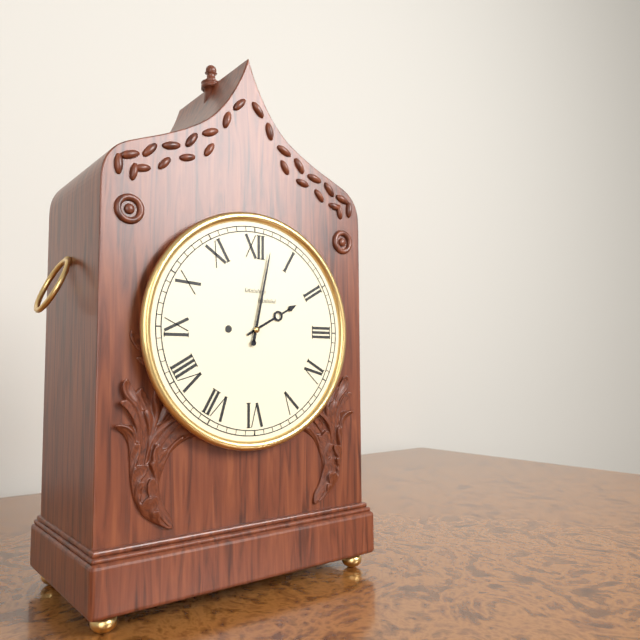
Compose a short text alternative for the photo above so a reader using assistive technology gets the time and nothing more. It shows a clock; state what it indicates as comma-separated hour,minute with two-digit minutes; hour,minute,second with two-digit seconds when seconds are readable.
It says 2,02
